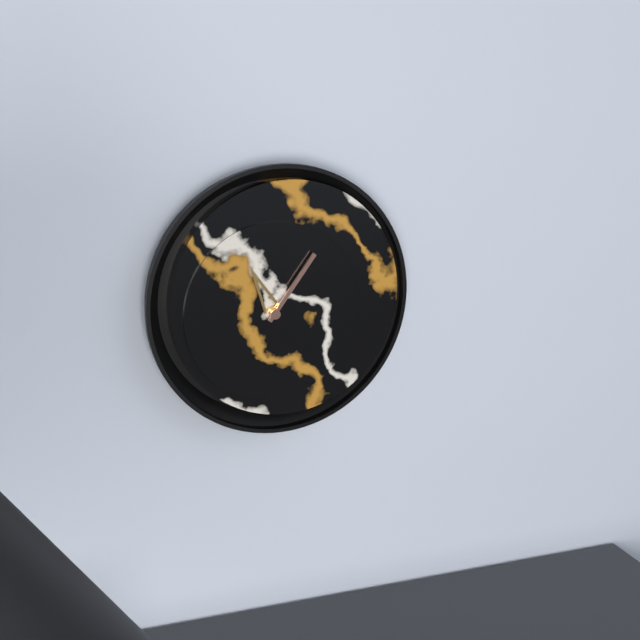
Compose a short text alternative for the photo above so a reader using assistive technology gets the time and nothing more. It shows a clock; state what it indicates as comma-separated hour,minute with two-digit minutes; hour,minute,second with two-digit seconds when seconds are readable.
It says 11,06
